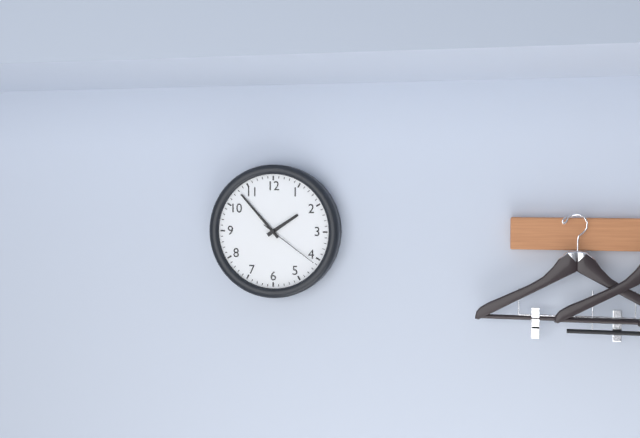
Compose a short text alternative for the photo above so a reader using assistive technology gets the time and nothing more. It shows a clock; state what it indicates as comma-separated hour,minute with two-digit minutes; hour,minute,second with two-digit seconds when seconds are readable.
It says 1,53,21
